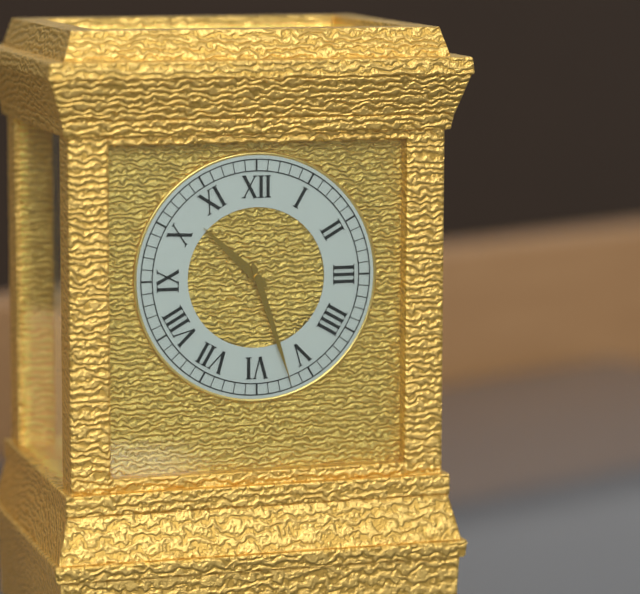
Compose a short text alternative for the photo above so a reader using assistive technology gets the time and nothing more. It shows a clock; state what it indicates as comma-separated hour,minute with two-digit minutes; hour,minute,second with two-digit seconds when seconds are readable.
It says 10,27
